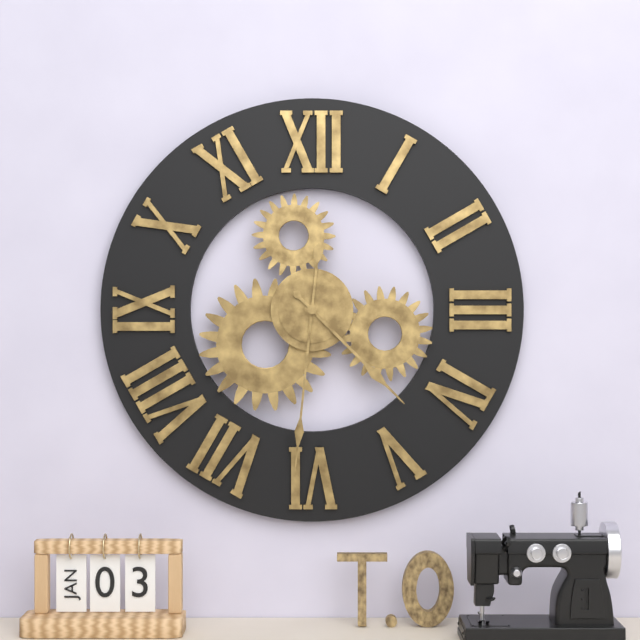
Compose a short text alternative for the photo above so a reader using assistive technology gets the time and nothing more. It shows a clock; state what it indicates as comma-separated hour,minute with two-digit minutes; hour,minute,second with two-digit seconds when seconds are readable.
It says 4,31
